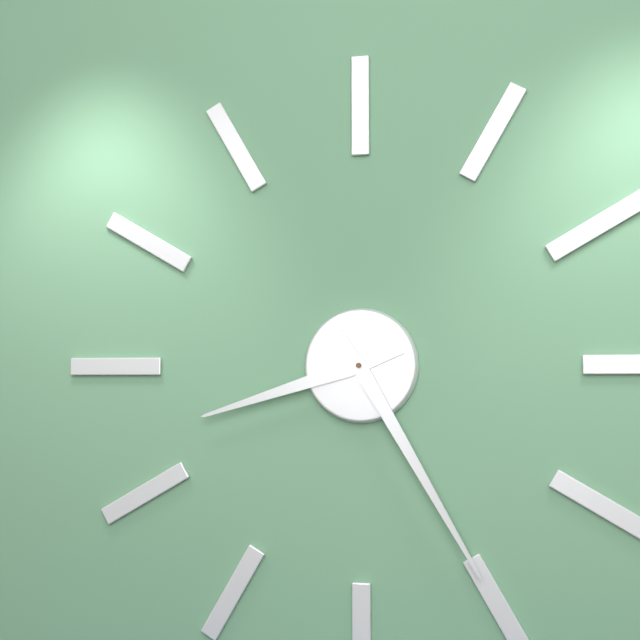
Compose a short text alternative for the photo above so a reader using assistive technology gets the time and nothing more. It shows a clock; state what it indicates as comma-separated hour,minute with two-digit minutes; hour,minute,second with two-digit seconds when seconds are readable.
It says 8,25
